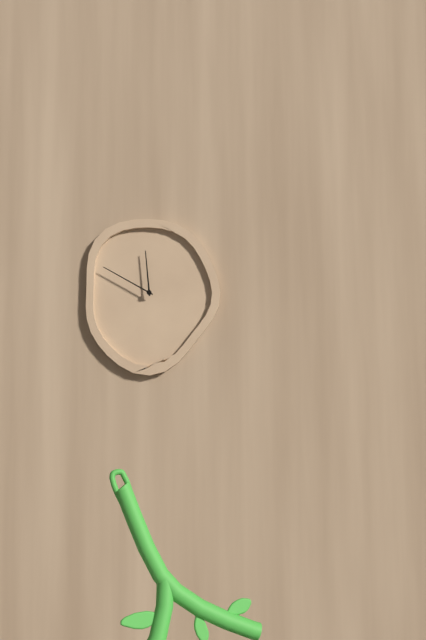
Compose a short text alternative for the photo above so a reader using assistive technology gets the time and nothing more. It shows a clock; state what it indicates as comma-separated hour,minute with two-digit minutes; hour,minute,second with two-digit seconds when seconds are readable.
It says 11,50
